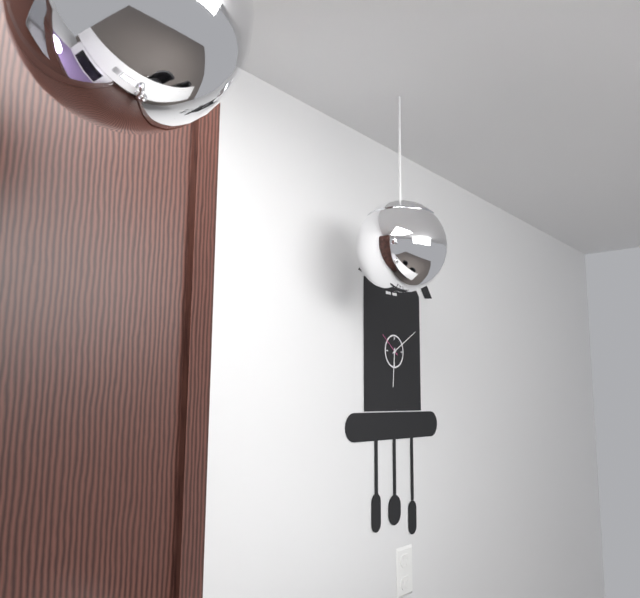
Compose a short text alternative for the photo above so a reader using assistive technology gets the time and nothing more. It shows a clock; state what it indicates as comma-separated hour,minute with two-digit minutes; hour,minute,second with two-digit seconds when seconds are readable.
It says 6,10
